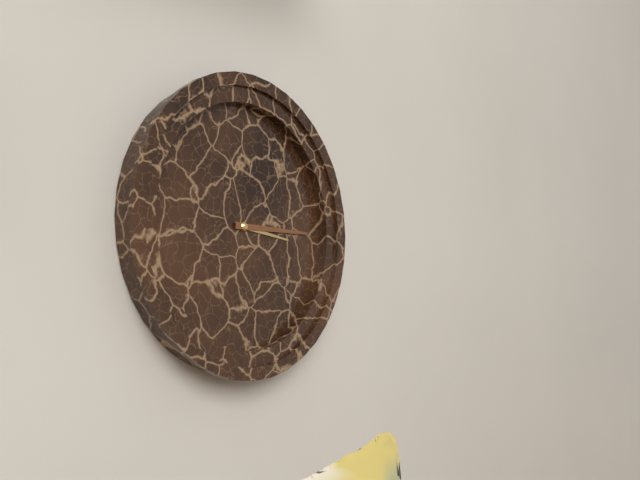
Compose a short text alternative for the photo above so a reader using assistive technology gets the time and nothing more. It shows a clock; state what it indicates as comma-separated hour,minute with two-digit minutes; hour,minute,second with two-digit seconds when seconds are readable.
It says 3,15
